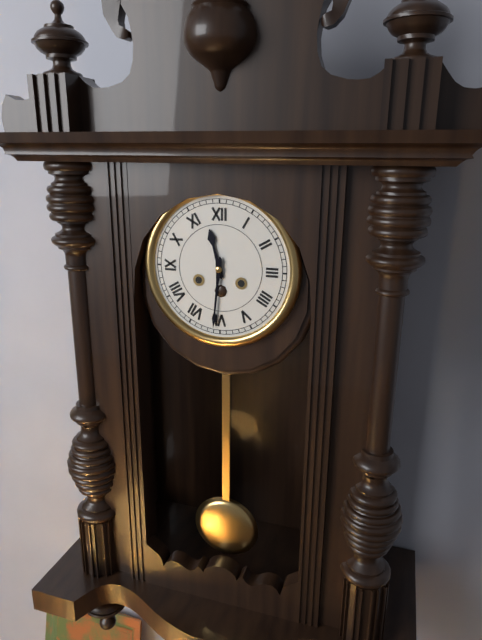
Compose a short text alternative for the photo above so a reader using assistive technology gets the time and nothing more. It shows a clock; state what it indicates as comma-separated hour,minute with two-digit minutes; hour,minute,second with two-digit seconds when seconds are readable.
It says 11,31
